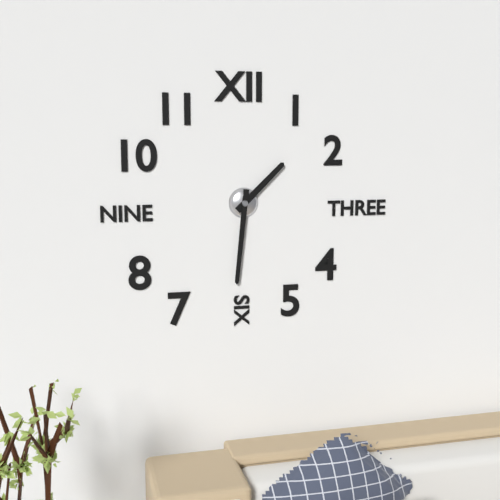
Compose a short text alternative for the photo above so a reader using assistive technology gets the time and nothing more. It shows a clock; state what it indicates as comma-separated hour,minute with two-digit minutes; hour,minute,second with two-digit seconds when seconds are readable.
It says 1,31
